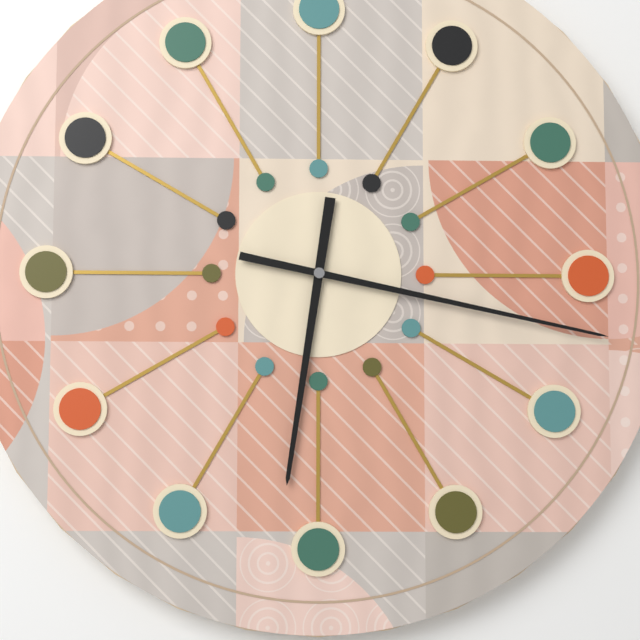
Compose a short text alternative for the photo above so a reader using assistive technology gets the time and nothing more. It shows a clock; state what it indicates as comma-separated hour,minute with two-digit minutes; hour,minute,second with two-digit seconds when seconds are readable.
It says 6,17
